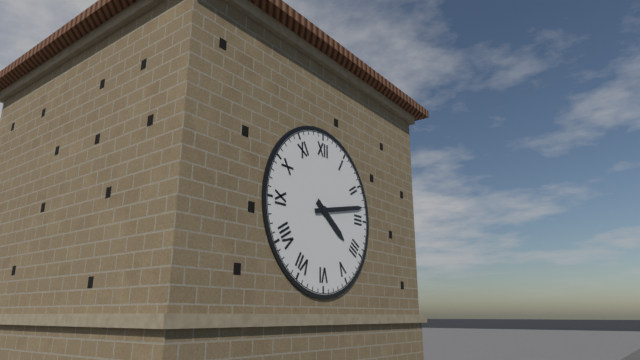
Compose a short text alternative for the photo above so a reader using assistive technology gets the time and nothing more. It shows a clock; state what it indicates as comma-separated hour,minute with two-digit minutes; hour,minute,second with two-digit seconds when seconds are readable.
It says 4,13
